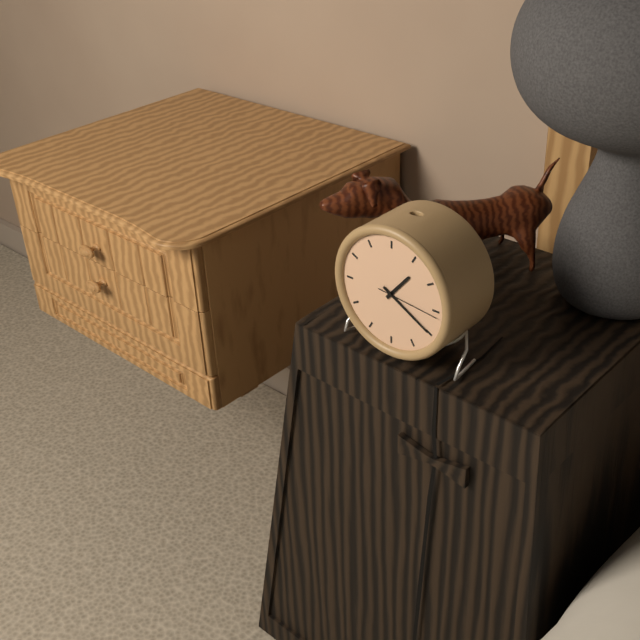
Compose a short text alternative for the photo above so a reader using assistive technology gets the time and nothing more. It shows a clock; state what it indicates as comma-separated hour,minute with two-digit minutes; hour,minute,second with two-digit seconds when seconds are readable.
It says 1,20,16
